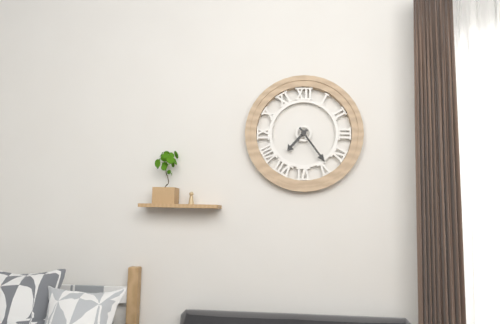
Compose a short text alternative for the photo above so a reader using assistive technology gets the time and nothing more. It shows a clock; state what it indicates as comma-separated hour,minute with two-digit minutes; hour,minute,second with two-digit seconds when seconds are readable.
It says 7,24
